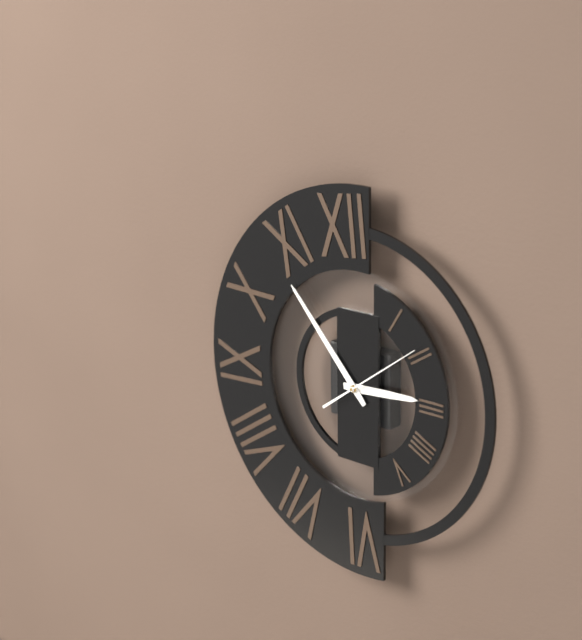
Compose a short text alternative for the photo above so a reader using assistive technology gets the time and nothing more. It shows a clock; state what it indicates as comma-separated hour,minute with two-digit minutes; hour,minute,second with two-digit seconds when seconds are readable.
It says 2,53,09
